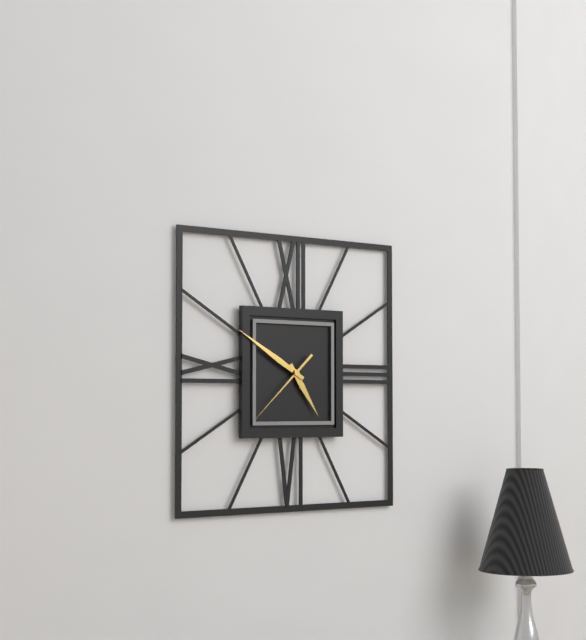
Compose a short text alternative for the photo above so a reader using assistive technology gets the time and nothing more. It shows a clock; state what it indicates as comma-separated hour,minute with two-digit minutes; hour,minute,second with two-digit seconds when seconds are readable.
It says 4,50,38
